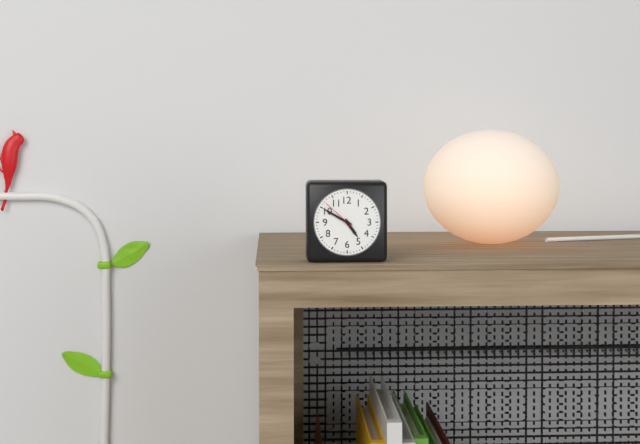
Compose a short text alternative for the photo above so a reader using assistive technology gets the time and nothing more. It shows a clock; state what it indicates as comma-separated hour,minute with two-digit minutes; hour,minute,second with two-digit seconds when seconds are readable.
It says 4,50
